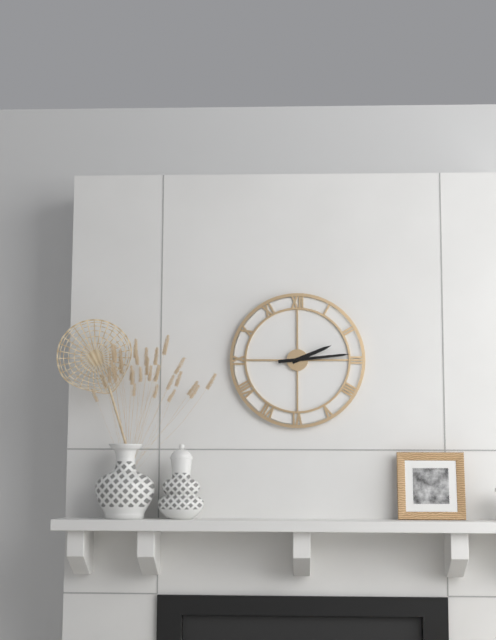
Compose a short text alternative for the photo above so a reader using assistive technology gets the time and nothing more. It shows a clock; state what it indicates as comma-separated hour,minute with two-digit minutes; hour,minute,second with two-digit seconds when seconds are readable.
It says 2,14
